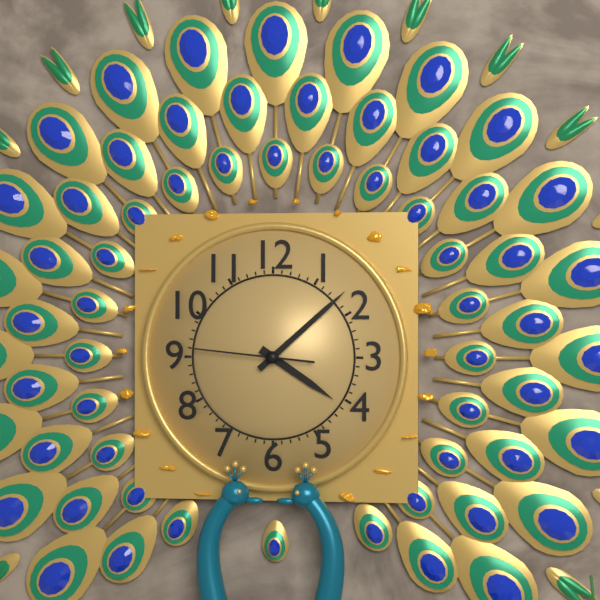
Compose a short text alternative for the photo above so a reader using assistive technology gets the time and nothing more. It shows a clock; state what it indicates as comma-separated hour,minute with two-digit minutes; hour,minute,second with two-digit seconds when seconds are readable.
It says 4,08,46
